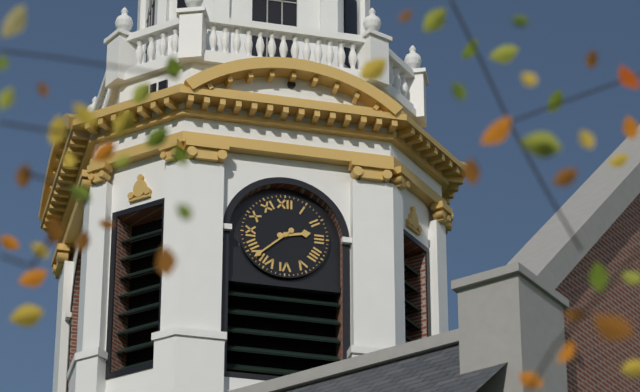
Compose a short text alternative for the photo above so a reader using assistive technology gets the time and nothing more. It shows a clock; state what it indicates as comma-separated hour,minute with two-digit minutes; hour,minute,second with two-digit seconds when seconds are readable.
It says 2,38
